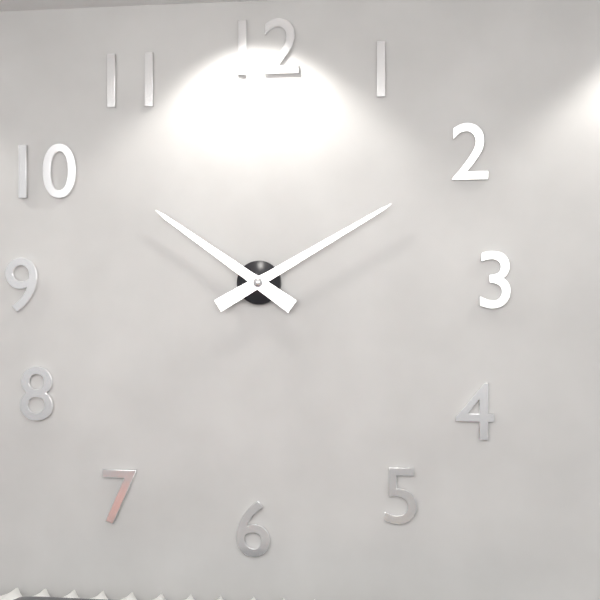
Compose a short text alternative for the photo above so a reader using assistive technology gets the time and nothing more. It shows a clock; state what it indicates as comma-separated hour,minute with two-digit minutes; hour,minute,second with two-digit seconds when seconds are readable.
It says 10,10
